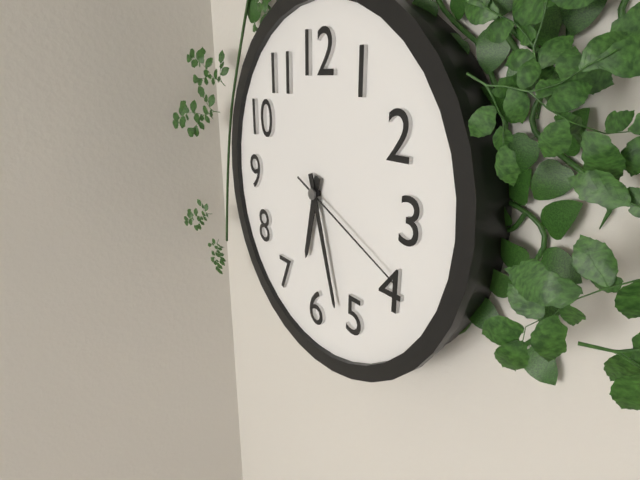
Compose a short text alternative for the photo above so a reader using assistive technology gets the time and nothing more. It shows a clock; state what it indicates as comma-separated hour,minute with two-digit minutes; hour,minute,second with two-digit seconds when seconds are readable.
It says 6,27,19
